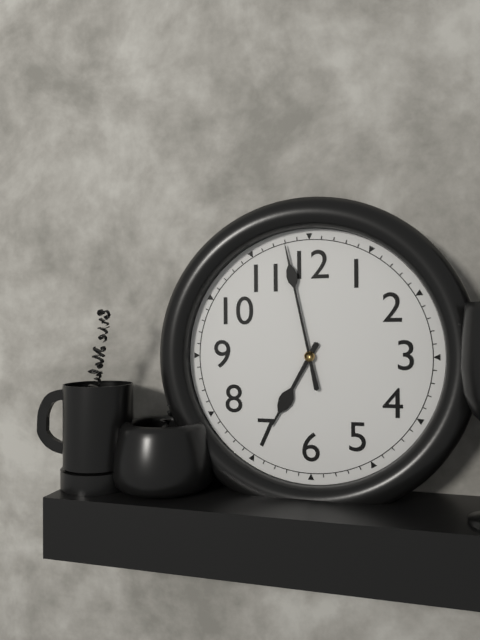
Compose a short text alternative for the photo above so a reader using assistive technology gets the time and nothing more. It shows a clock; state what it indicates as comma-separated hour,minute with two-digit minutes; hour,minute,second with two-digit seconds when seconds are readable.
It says 6,58
